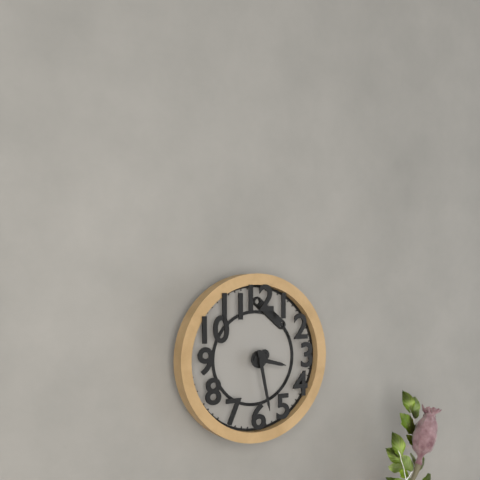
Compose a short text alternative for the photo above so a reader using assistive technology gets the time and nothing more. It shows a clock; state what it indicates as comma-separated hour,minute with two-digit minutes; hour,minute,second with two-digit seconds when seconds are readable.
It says 3,28
